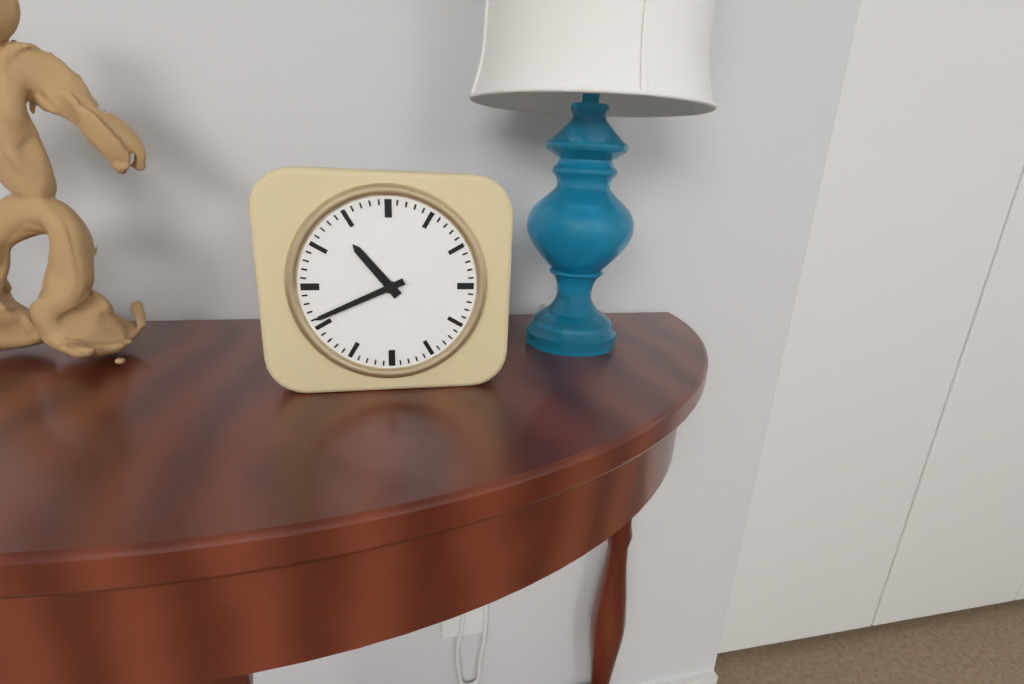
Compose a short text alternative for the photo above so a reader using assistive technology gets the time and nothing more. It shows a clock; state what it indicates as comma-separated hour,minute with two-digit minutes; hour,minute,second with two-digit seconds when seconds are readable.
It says 10,41
